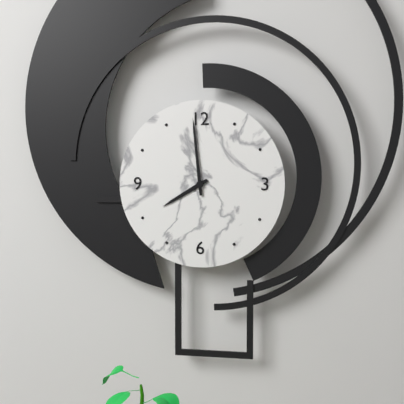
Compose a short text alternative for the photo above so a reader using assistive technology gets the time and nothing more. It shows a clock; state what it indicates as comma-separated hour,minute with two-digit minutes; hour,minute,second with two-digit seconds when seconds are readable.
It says 7,59
